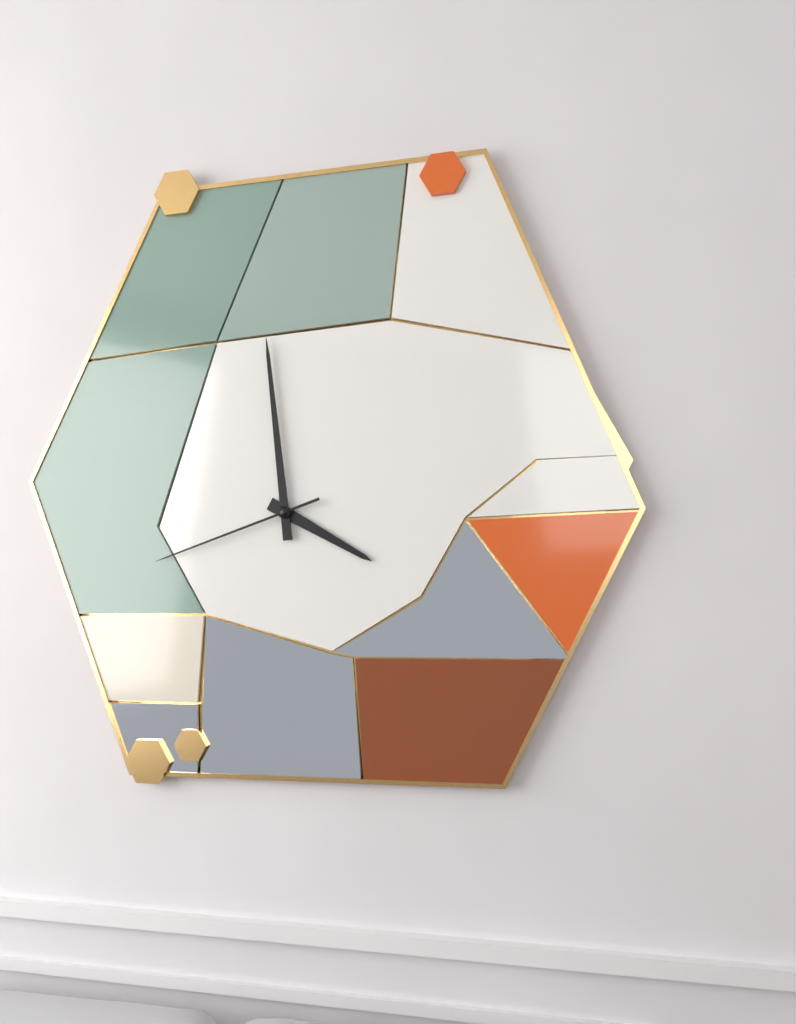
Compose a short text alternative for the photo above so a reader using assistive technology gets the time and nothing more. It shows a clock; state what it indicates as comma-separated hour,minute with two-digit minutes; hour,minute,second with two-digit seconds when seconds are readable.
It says 3,59,42
